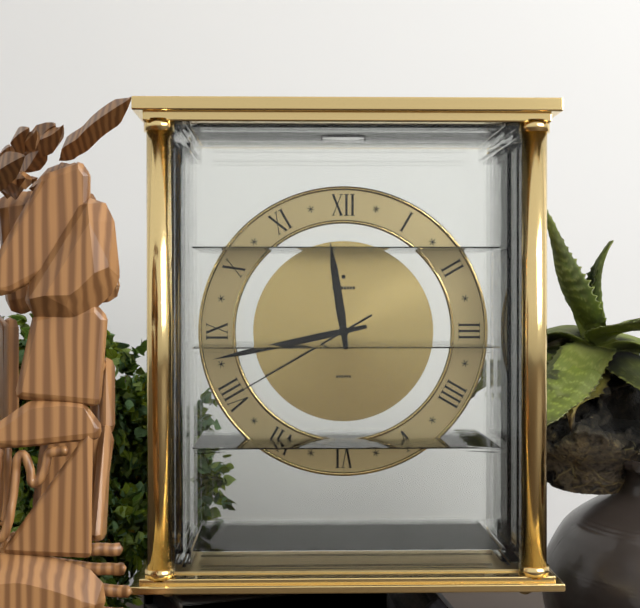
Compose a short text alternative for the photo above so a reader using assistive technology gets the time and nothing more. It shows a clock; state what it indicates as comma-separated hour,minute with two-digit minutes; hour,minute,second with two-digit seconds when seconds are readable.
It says 11,43,40
